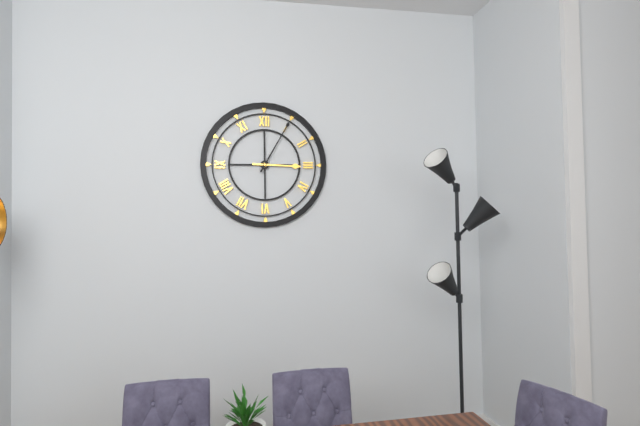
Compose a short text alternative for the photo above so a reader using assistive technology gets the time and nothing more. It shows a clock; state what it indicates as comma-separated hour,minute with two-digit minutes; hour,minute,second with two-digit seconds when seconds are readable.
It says 3,05
